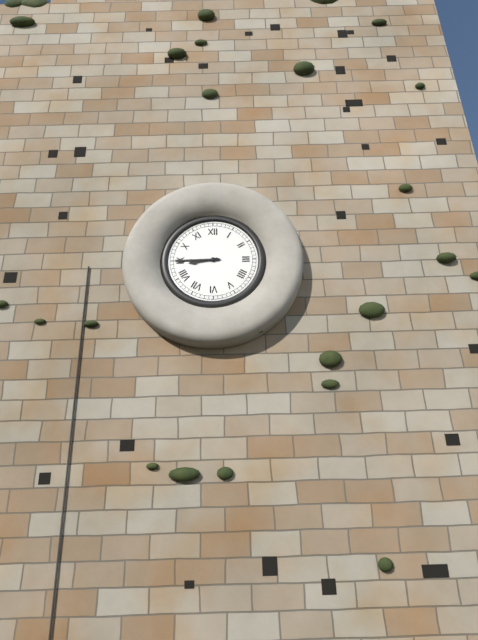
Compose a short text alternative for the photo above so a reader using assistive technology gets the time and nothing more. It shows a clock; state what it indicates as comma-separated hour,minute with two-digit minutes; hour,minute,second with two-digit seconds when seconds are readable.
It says 8,45
